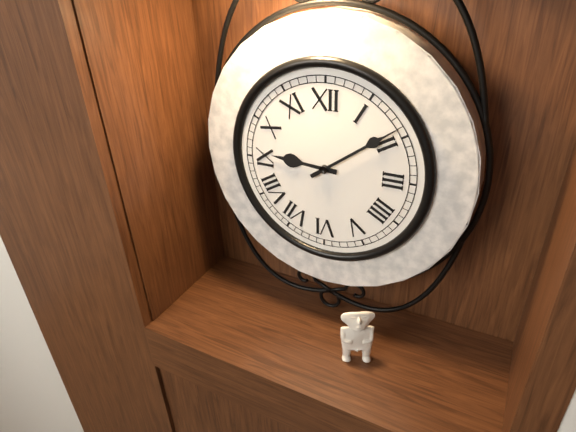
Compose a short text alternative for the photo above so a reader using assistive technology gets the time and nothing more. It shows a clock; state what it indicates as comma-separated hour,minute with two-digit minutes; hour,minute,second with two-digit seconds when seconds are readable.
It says 9,09
